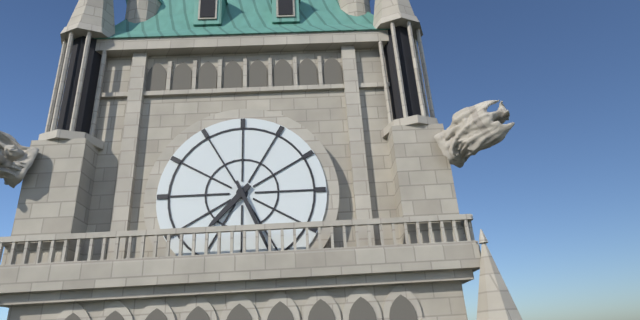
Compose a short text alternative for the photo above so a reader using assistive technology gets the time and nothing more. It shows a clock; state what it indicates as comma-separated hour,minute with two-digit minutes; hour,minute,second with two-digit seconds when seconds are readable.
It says 7,26
